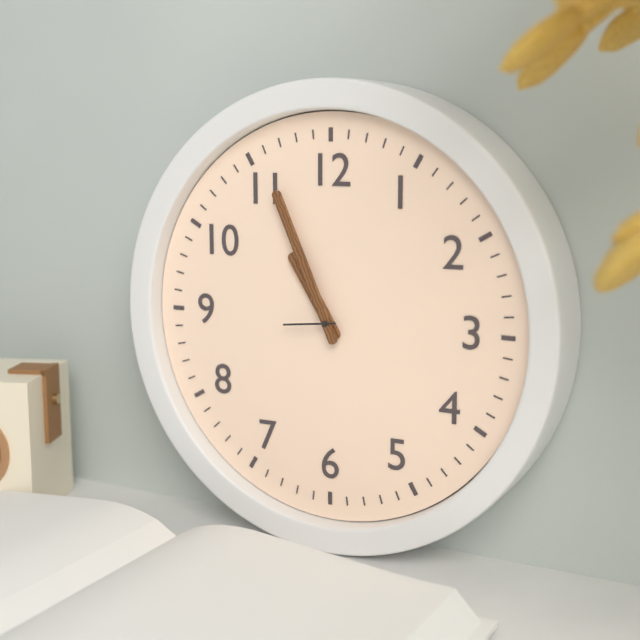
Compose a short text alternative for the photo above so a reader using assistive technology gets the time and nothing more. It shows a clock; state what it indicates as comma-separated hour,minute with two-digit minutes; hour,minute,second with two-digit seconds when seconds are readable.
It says 10,56,44
